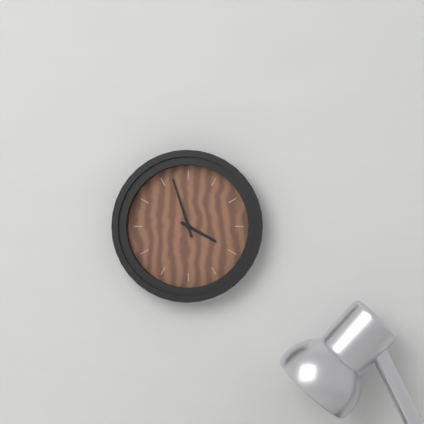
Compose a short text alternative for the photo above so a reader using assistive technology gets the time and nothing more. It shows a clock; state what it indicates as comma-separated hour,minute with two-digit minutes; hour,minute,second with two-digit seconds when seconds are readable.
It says 3,57
